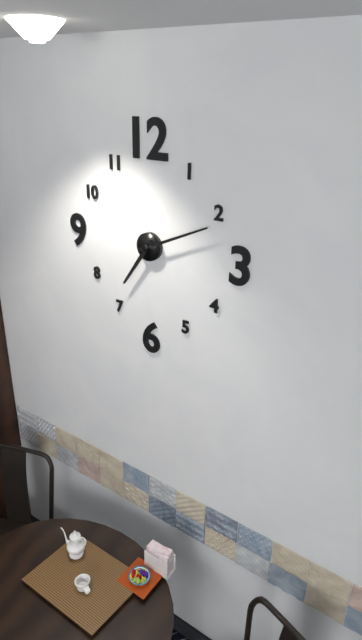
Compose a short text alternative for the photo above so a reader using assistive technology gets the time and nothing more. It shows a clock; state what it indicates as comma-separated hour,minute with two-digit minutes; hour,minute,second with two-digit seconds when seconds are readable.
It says 7,11
